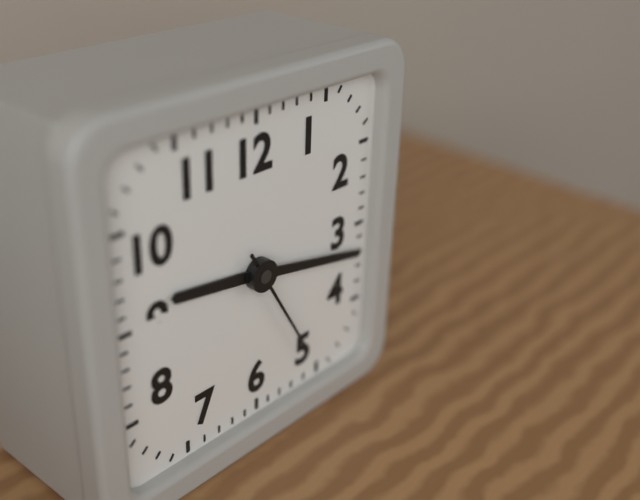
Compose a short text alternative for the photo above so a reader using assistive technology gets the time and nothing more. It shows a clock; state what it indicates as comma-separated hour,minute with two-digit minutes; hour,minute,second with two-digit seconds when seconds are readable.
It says 9,17,25
